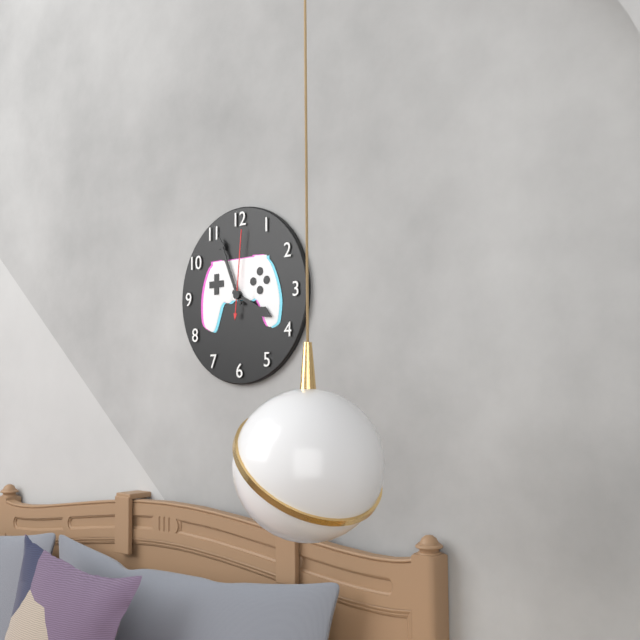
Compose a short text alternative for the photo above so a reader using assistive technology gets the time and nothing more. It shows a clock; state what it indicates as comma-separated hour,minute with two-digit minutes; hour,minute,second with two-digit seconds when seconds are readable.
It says 3,56,01
